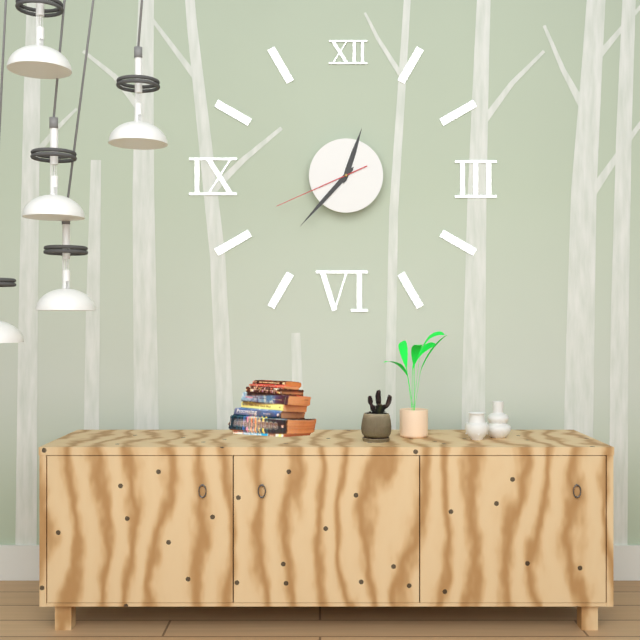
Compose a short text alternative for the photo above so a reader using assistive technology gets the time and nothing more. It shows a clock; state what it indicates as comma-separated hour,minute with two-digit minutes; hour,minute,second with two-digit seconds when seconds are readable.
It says 12,37,41
